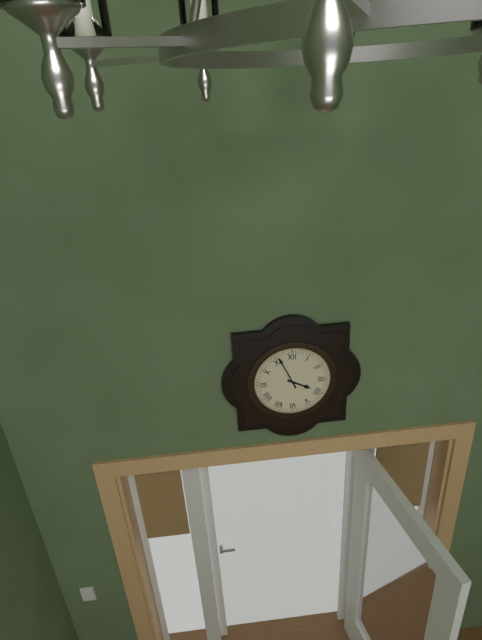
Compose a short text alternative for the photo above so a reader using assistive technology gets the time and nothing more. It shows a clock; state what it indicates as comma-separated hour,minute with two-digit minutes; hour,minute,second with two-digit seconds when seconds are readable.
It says 3,56
